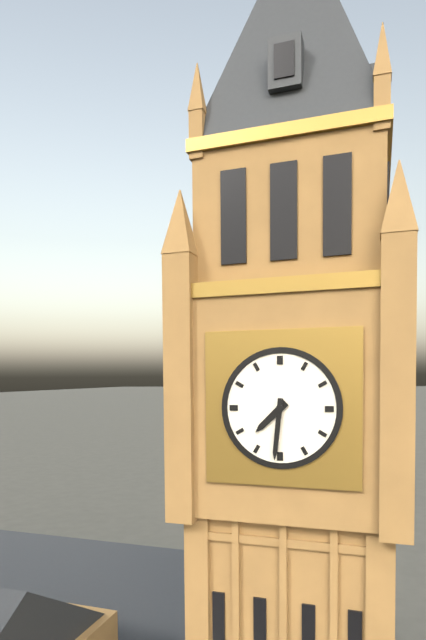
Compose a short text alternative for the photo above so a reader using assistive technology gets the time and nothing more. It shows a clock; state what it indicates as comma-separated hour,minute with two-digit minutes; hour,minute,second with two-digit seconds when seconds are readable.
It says 7,31
